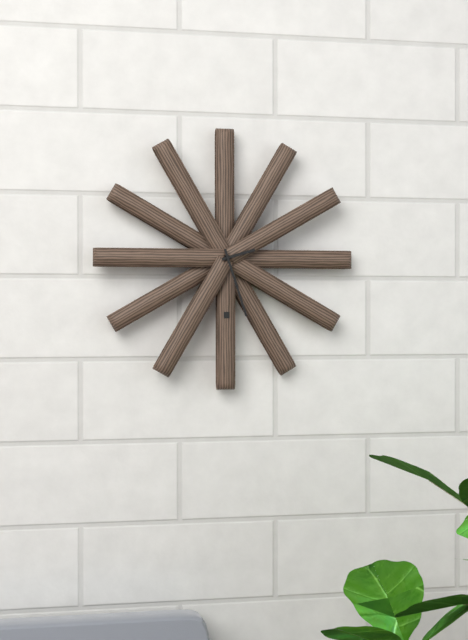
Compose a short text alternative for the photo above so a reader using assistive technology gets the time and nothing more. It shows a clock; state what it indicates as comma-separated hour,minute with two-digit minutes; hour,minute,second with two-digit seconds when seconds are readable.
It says 2,27
